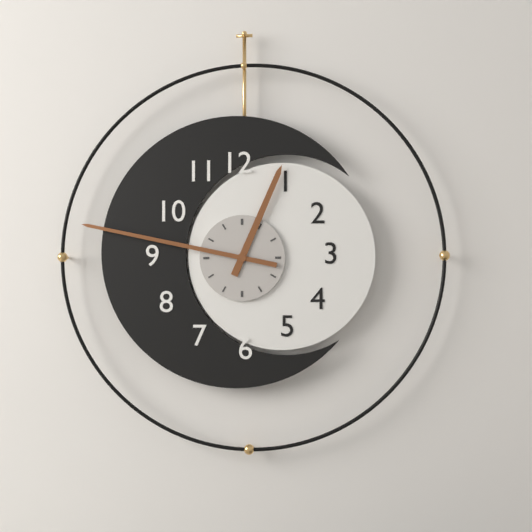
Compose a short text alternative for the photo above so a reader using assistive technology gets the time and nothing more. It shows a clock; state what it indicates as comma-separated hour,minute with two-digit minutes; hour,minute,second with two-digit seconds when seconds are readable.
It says 12,47
